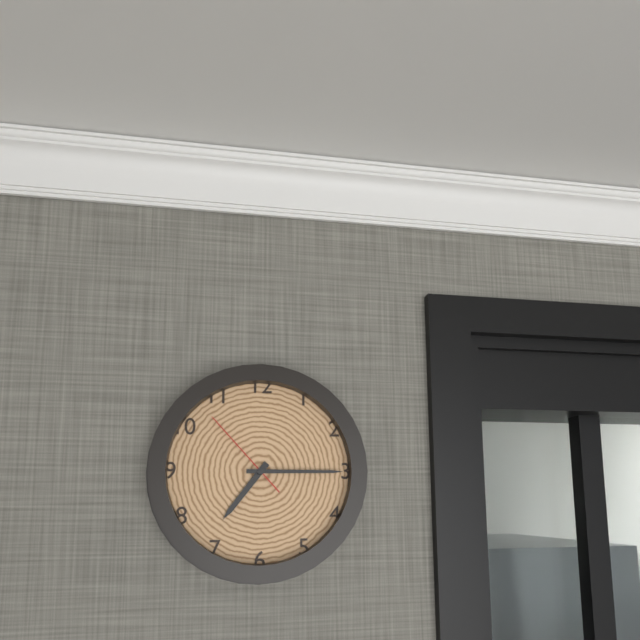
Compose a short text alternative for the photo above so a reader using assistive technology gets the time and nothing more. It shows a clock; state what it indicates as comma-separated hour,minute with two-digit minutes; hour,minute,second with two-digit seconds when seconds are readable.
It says 7,15,53
